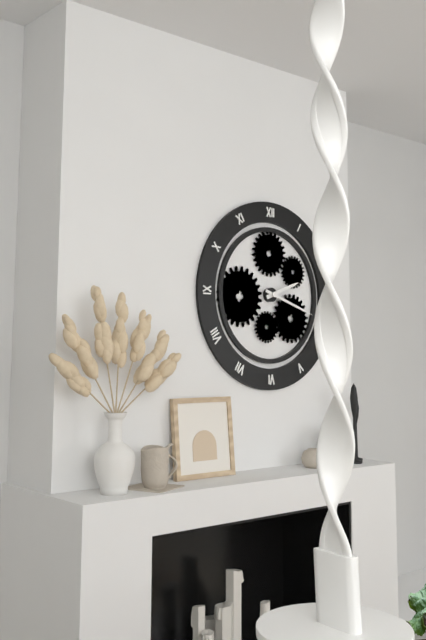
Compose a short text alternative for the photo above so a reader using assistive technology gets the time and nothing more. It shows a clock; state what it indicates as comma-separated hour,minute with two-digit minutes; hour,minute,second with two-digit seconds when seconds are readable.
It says 2,18
